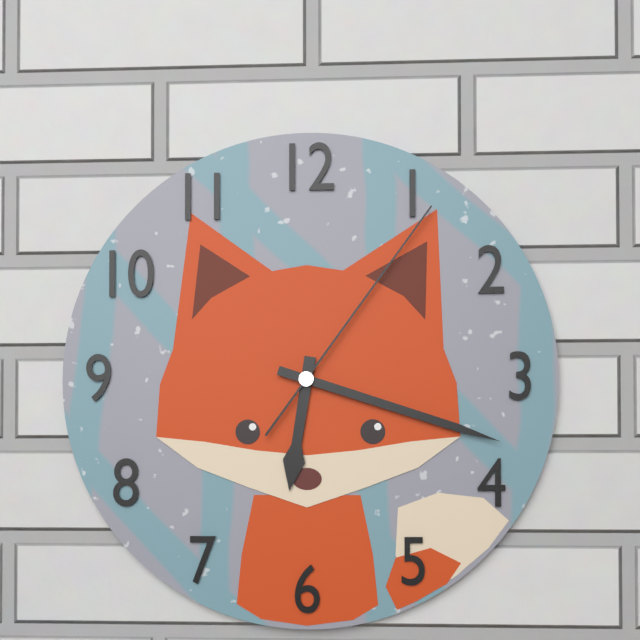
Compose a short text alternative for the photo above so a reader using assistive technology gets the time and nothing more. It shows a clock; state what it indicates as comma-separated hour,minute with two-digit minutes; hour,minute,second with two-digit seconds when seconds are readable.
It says 6,18,06
